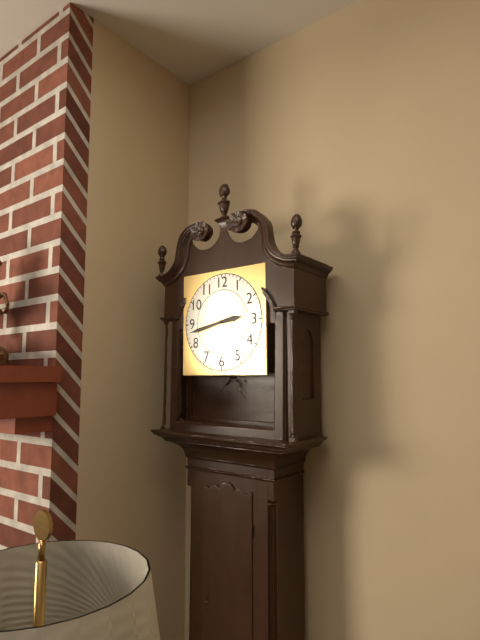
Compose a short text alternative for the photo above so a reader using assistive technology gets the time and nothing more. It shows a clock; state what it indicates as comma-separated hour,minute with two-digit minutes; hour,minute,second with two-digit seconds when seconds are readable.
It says 2,43
